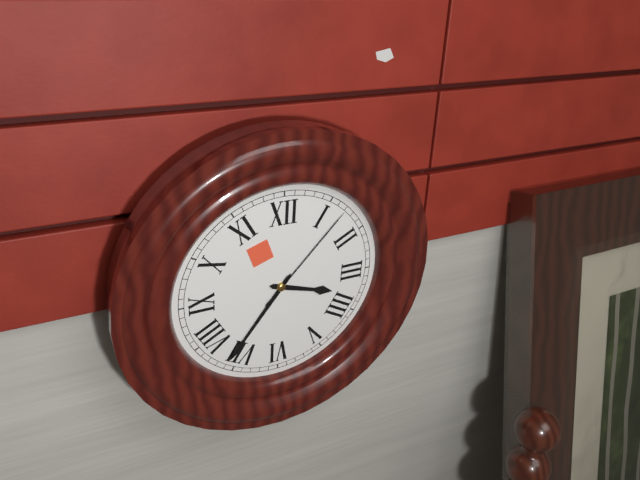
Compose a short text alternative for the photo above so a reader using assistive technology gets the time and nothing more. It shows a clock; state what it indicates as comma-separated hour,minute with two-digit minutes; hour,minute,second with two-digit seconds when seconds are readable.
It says 3,36,07
